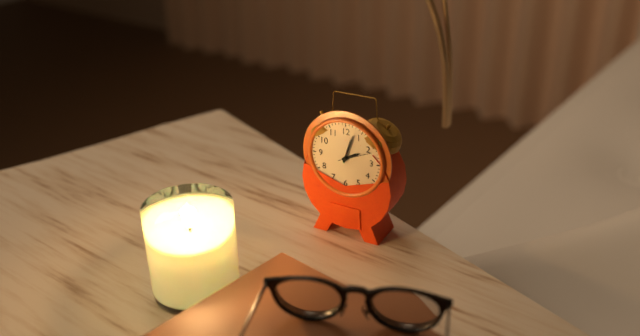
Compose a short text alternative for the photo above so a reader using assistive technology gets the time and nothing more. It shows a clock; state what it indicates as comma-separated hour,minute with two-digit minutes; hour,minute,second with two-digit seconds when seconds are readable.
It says 2,03
